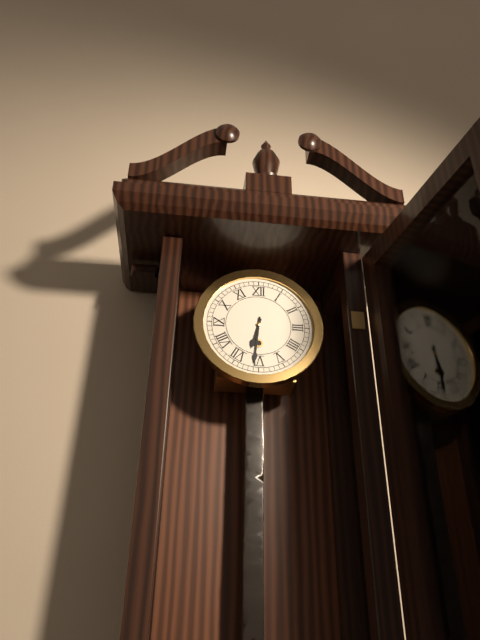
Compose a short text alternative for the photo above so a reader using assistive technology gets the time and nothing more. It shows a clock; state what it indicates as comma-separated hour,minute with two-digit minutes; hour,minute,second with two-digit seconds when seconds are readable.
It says 6,31
